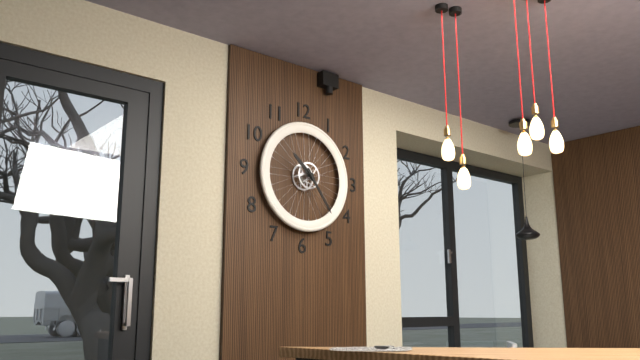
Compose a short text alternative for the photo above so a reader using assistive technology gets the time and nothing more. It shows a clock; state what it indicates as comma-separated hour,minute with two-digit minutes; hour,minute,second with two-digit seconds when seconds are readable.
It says 10,24
